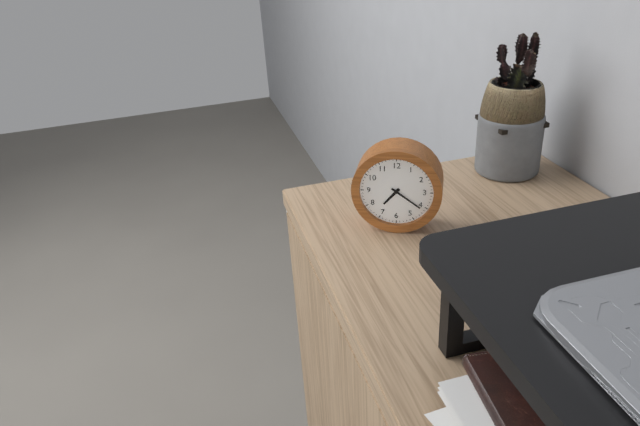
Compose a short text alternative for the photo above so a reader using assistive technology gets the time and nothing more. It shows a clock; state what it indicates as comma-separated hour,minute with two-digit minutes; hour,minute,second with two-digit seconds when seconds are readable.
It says 7,21
